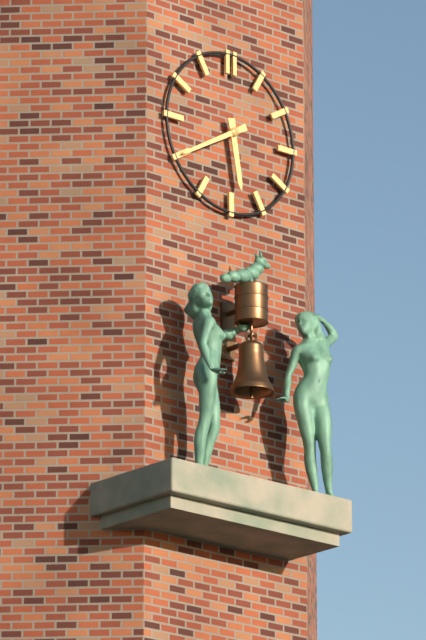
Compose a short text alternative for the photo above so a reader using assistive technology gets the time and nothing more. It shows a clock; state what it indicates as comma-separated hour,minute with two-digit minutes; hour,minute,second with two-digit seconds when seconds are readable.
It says 5,40
